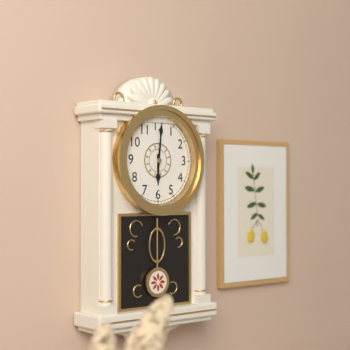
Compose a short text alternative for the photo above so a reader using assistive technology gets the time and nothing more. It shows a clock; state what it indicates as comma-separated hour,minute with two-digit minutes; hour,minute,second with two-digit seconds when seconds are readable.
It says 6,01
